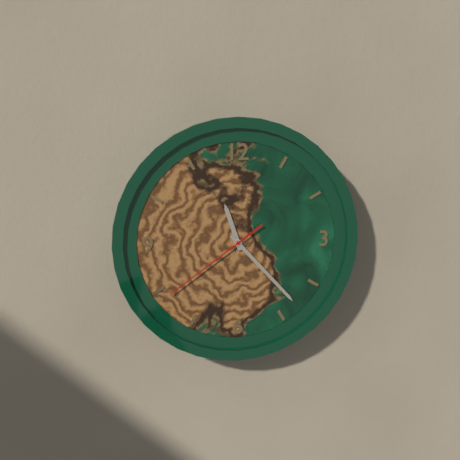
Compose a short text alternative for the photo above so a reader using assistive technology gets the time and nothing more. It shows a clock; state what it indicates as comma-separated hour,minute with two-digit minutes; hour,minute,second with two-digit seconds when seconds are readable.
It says 11,23,39
